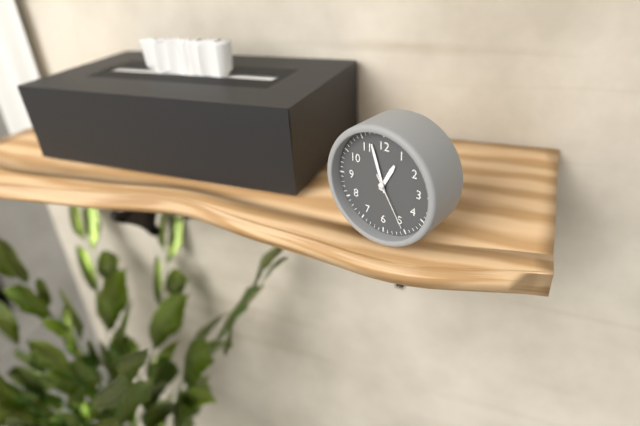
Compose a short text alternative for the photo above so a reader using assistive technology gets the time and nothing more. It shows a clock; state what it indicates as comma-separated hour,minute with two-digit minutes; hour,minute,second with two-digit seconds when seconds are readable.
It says 12,57,25
